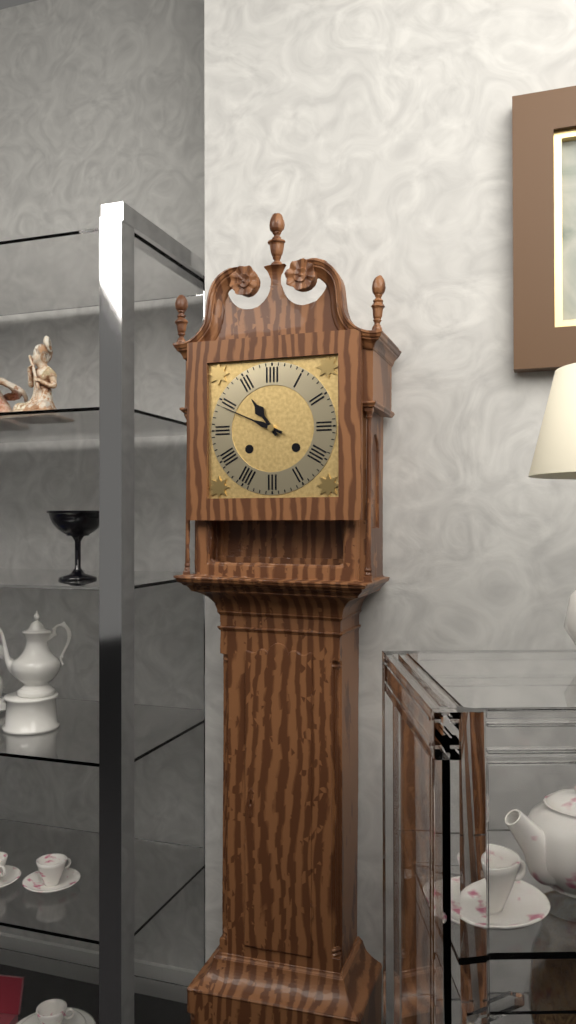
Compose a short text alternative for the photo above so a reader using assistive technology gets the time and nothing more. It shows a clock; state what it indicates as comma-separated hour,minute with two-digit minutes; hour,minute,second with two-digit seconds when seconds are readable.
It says 10,49
